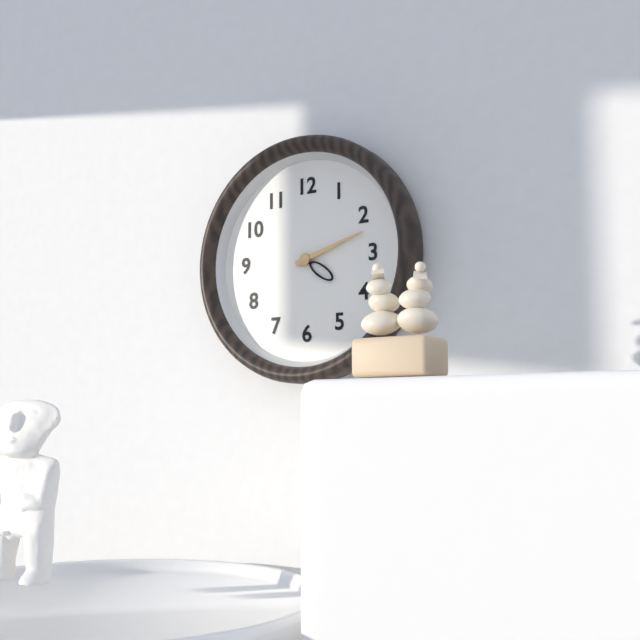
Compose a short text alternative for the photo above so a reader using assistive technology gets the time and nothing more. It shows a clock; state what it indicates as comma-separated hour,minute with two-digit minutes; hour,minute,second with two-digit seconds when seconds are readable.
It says 4,12
